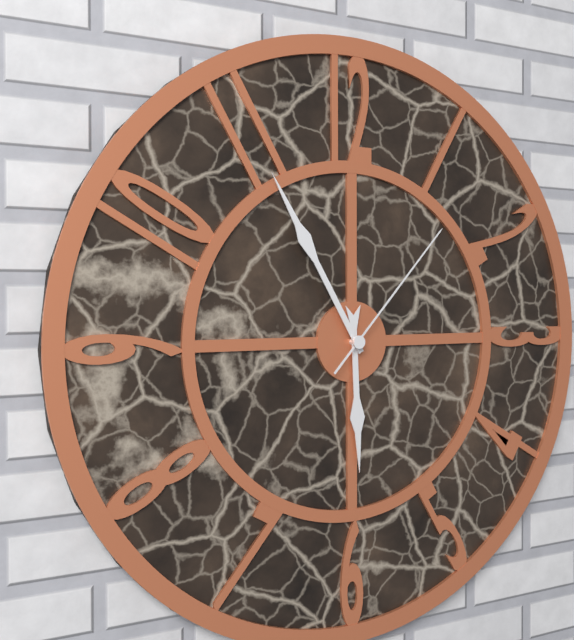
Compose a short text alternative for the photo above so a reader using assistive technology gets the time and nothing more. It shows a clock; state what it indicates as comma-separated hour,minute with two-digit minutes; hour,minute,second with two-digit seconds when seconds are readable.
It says 5,55,07
